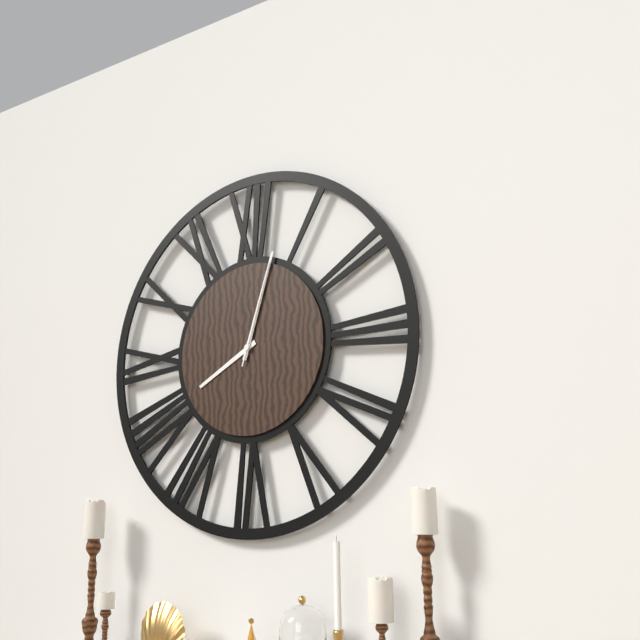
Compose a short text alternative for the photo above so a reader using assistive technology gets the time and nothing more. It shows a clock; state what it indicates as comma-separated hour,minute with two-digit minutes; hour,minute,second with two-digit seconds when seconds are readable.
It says 8,03,03
